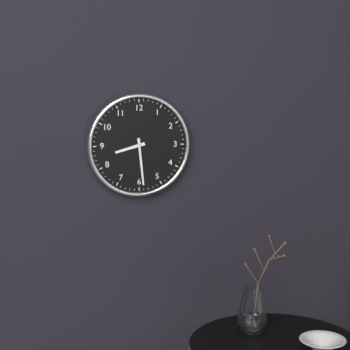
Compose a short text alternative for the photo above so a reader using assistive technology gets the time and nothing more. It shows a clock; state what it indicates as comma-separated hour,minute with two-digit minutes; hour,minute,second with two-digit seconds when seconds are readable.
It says 8,29
